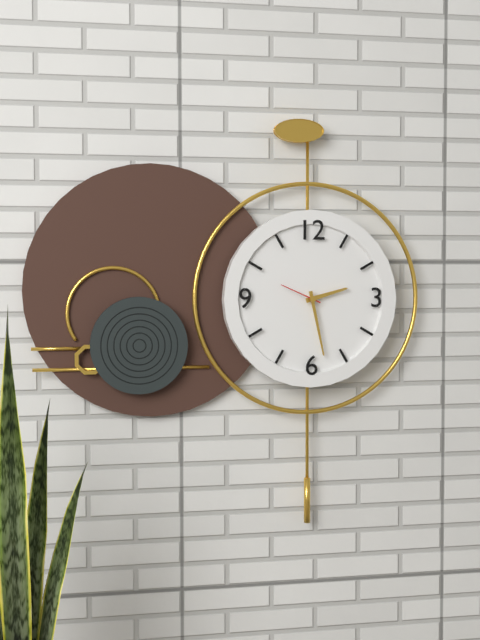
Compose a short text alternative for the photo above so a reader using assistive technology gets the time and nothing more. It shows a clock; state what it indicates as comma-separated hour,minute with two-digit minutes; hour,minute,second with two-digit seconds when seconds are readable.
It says 2,28
